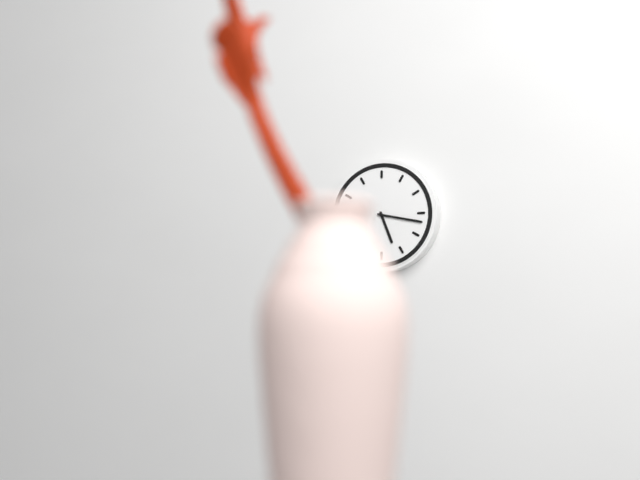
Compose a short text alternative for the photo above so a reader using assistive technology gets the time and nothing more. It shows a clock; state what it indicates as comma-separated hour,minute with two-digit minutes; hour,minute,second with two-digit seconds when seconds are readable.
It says 5,17
